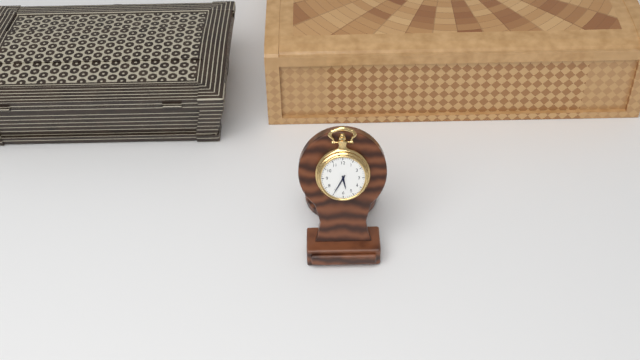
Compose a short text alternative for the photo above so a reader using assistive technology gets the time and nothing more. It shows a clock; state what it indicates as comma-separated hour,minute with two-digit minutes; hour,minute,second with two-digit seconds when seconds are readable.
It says 5,35
